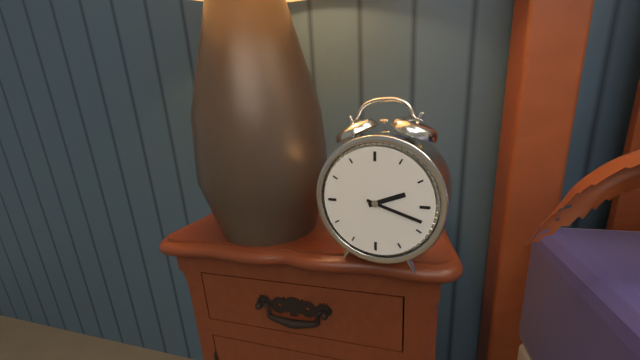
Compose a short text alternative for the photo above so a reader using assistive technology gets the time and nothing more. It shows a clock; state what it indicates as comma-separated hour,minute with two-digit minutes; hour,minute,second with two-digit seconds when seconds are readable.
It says 2,18
